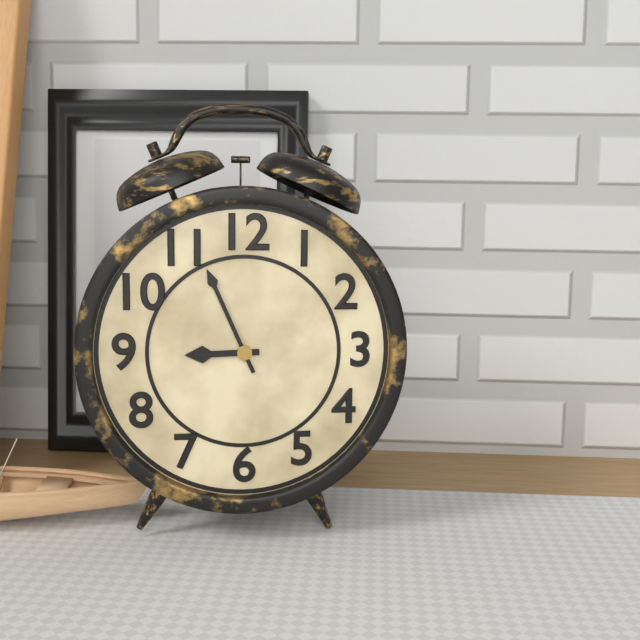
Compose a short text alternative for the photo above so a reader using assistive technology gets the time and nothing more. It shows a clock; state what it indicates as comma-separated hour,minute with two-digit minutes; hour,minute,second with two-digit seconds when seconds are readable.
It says 8,56
